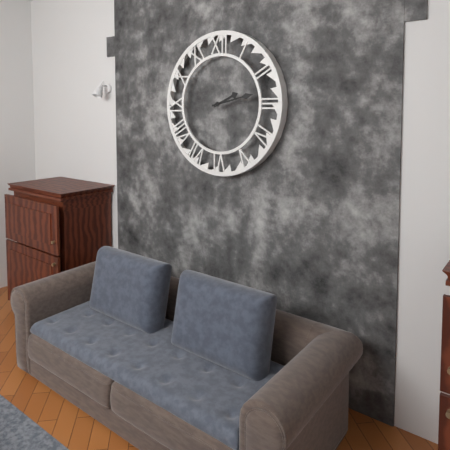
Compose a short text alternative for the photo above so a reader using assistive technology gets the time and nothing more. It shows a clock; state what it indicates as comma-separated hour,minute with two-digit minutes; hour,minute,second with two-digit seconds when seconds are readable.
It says 2,13
